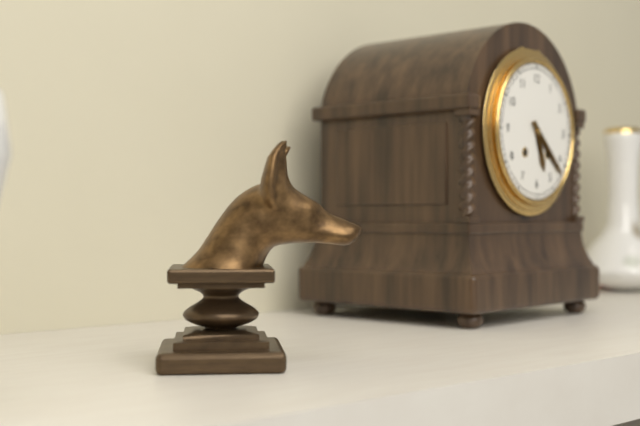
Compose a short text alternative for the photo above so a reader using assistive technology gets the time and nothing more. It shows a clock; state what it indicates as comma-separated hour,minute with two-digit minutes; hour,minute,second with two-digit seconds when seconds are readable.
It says 5,22
